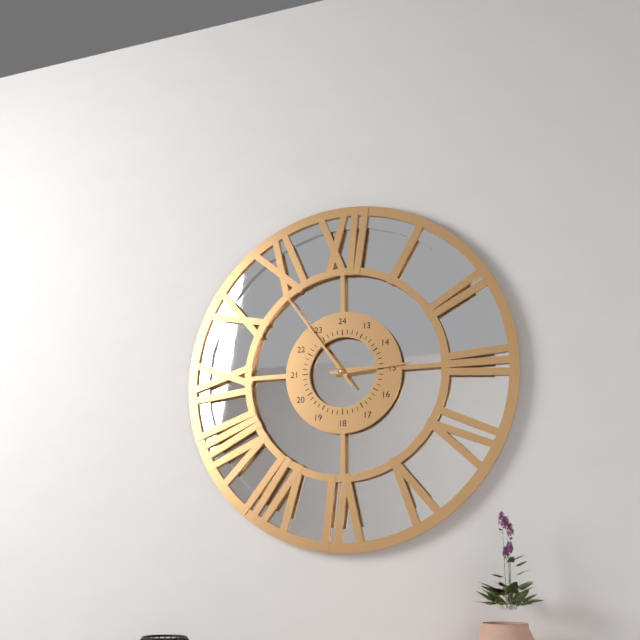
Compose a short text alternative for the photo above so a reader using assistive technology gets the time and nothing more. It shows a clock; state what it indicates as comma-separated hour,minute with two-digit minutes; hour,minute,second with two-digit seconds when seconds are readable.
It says 2,54
